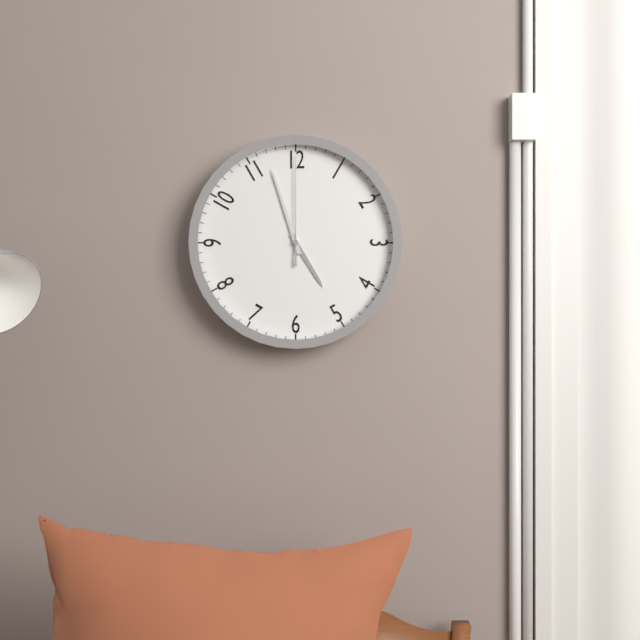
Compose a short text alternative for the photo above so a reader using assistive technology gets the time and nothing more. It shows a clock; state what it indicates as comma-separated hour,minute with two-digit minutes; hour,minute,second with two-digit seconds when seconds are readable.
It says 4,57,00
